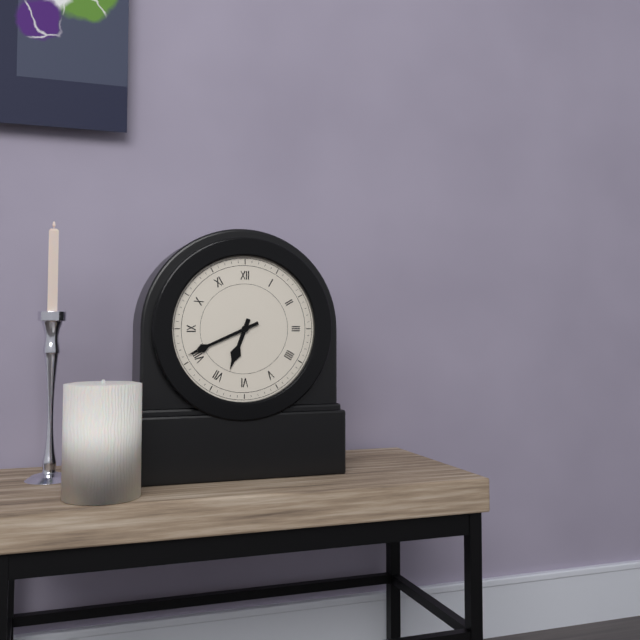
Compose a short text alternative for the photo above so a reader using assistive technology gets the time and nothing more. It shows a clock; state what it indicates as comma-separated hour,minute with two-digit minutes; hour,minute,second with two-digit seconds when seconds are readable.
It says 6,41
